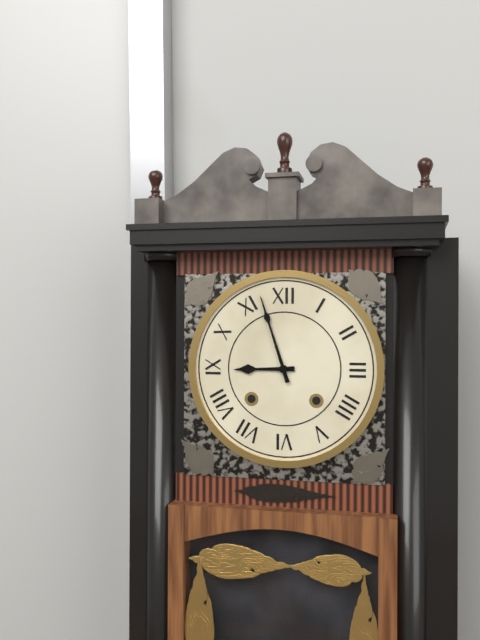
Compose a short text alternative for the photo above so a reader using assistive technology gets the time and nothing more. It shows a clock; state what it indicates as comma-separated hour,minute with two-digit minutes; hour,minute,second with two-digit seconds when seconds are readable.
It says 8,57
